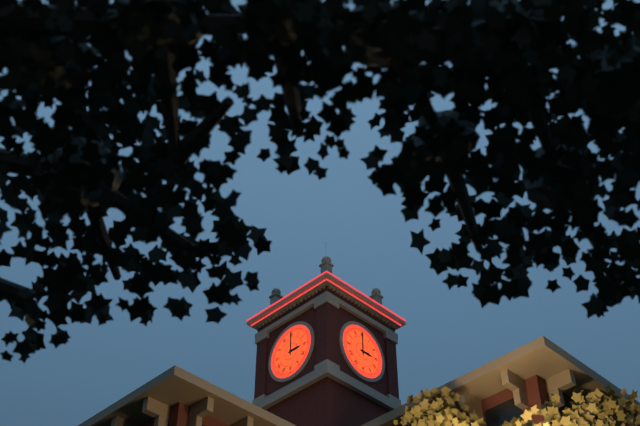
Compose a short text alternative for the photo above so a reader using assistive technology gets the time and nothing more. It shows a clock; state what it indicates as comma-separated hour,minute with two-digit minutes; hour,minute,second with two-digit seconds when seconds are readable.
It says 3,00
